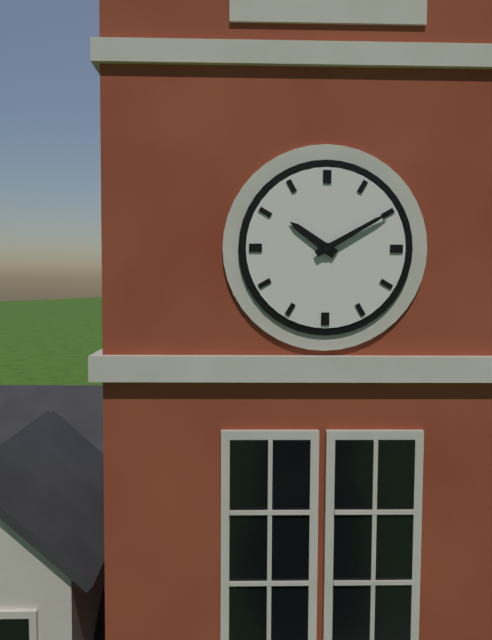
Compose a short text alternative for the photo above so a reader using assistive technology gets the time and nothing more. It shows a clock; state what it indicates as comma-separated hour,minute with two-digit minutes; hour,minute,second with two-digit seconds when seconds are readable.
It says 10,10
